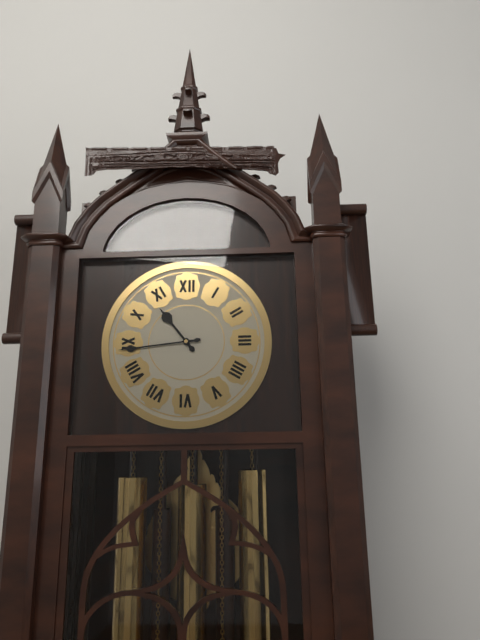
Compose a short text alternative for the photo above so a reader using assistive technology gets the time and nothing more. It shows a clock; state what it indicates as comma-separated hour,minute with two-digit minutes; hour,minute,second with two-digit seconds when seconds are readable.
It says 10,44
